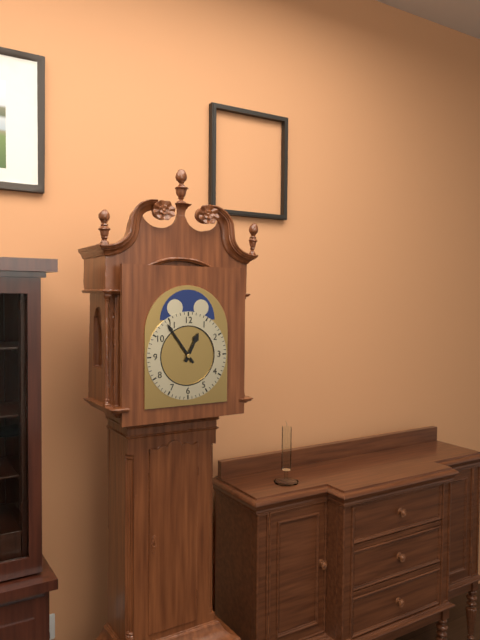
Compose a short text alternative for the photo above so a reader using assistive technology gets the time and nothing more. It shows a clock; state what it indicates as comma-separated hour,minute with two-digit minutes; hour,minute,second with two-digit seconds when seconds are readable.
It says 12,54
